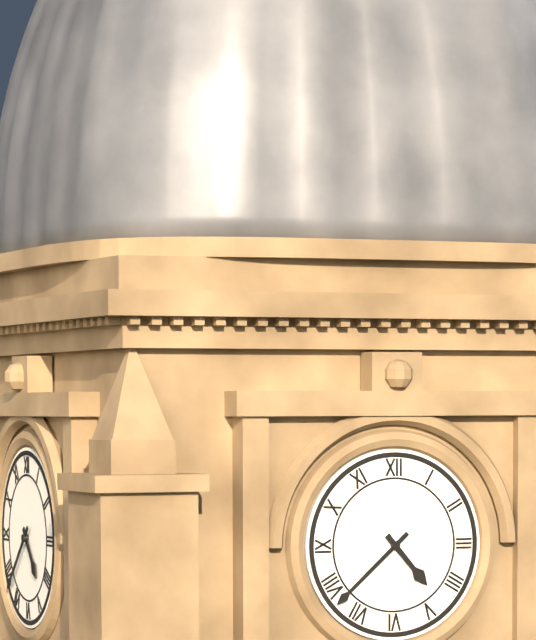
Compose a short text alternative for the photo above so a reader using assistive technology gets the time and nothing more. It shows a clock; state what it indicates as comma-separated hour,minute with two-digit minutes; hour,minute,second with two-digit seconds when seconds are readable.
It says 4,38
